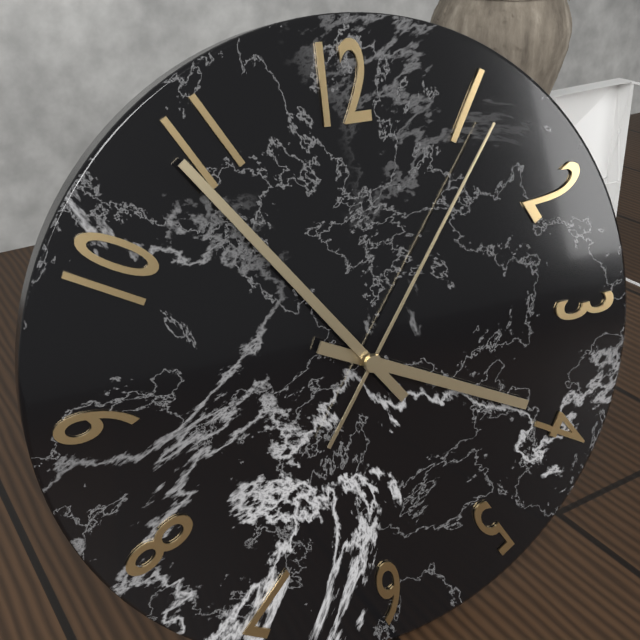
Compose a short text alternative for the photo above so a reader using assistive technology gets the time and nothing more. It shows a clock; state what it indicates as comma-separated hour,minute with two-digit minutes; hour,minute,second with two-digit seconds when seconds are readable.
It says 3,54,06
